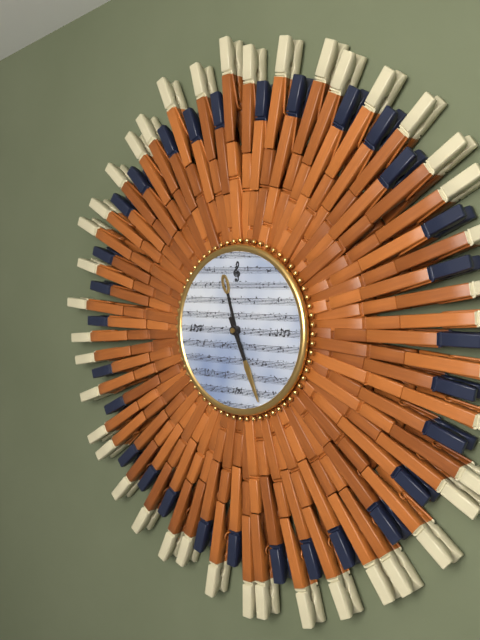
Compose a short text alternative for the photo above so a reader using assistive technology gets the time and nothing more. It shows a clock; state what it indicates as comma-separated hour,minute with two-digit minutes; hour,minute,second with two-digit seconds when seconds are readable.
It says 11,26
